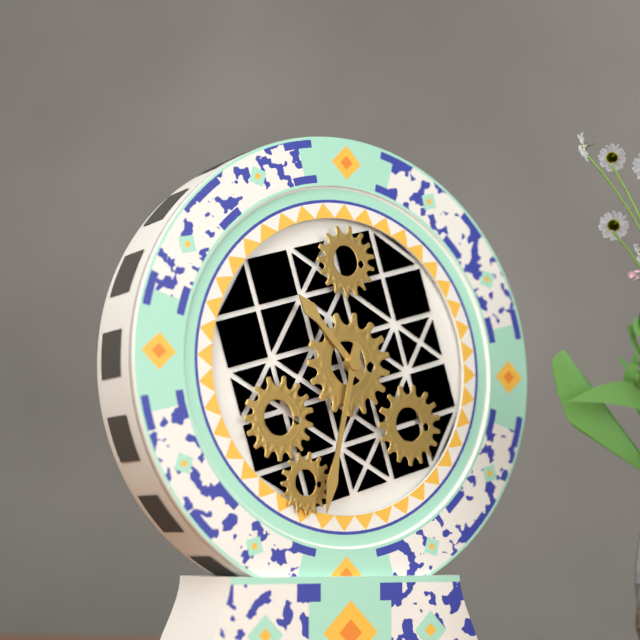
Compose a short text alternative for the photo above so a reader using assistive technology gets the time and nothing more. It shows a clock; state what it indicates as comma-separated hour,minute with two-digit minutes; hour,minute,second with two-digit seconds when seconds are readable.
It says 10,32
